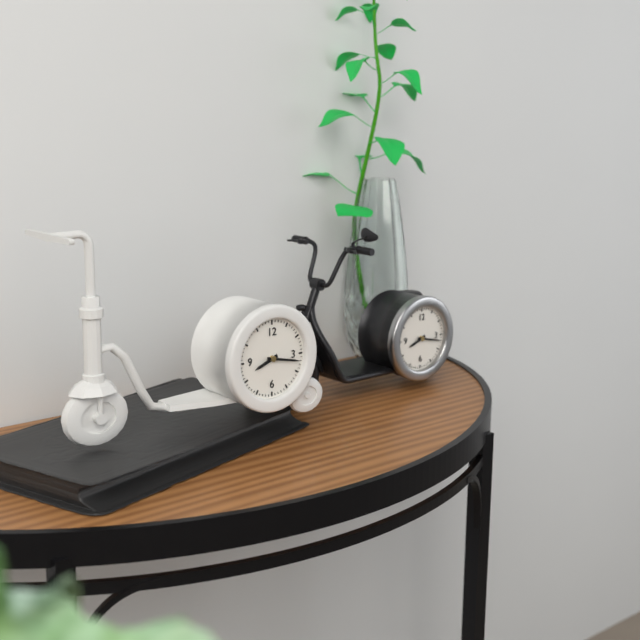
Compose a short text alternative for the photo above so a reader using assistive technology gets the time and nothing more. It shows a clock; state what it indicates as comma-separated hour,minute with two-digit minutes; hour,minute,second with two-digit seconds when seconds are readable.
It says 8,17
